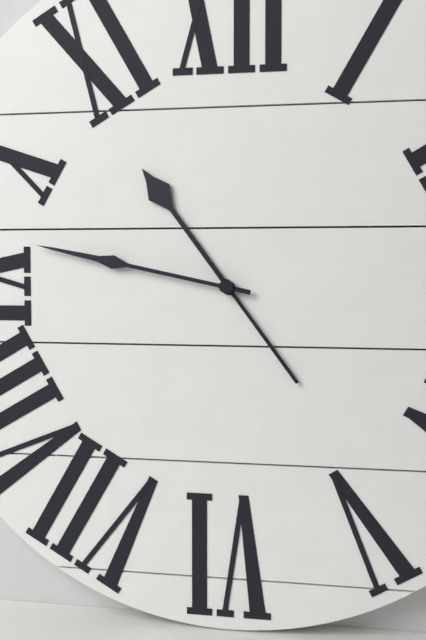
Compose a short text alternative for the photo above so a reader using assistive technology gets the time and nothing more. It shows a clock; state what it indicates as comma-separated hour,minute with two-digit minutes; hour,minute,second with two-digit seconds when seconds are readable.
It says 10,47
